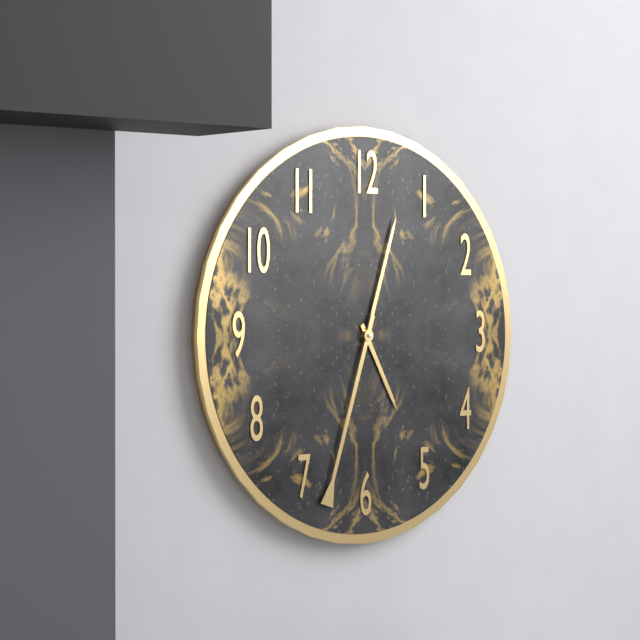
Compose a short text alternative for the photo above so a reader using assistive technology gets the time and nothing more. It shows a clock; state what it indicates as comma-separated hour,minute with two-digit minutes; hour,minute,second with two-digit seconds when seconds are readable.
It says 5,03,33
